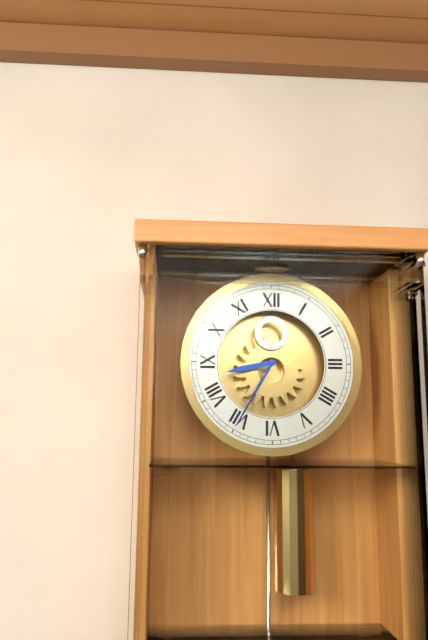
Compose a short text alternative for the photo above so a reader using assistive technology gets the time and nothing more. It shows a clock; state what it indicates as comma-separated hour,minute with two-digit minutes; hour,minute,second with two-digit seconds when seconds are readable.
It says 8,35
